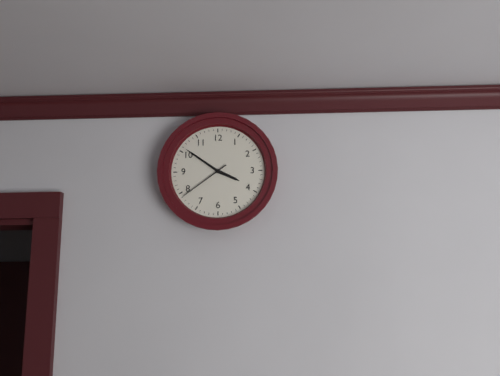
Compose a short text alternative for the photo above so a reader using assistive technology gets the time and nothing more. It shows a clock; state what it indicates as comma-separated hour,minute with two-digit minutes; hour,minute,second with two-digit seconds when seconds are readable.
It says 3,51,39
